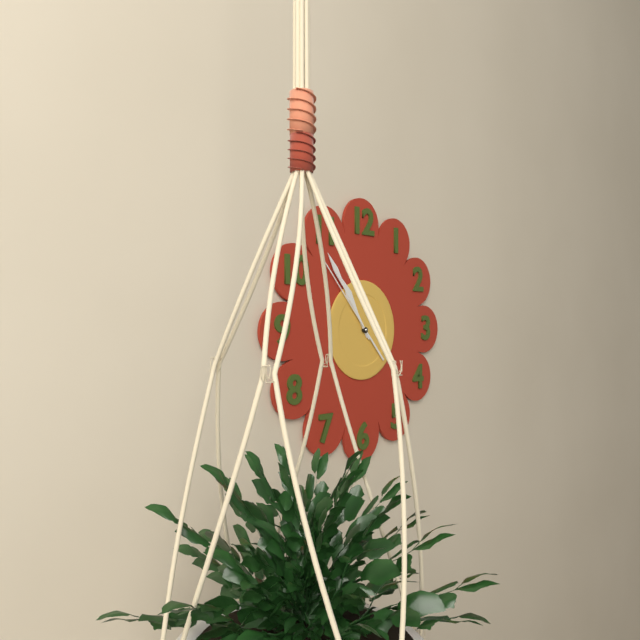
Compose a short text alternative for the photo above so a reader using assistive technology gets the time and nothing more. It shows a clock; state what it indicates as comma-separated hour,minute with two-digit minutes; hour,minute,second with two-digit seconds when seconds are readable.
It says 10,54,53
